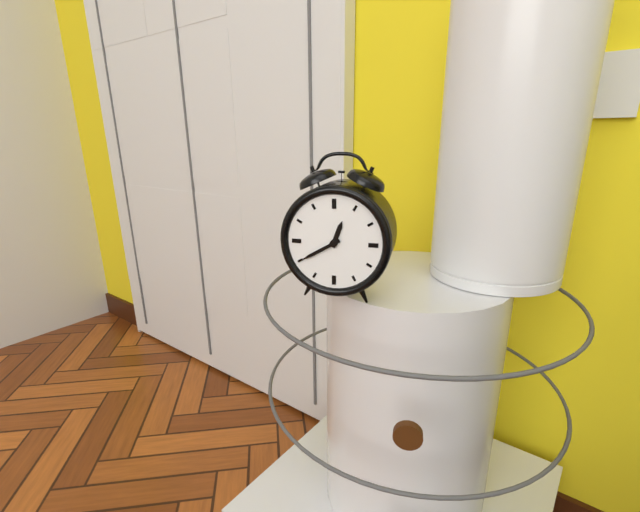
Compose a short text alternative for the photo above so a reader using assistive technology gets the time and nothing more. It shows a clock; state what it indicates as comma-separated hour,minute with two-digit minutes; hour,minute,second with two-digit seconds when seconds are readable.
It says 12,40
